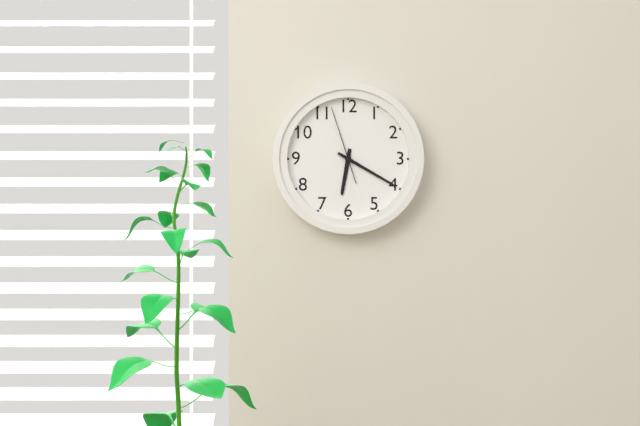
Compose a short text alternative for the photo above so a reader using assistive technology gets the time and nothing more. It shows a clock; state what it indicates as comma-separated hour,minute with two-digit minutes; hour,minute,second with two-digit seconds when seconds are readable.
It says 6,20,57
